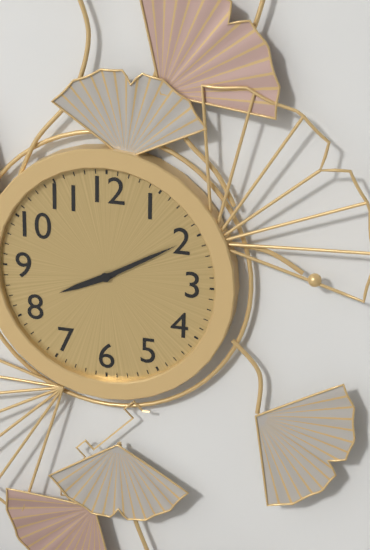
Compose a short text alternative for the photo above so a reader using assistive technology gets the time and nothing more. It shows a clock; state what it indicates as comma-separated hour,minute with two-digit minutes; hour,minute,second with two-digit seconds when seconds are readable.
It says 8,10
